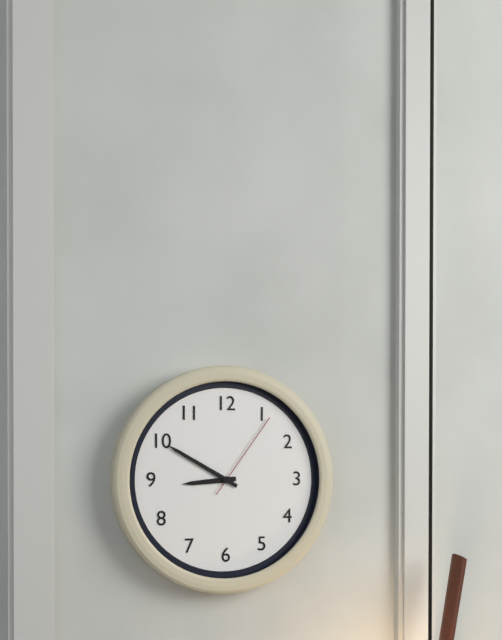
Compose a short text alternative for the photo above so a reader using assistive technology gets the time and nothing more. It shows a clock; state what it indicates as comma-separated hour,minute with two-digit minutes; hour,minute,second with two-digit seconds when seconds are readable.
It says 8,50,06
